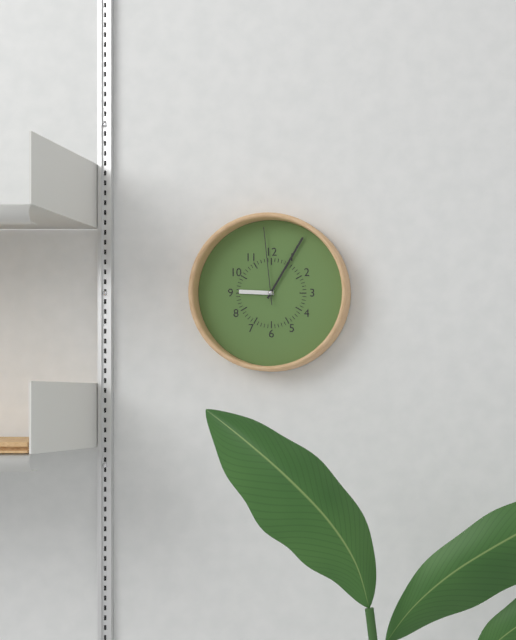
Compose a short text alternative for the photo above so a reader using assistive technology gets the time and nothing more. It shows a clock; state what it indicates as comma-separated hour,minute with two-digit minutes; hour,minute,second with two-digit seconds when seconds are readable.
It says 9,05,59
